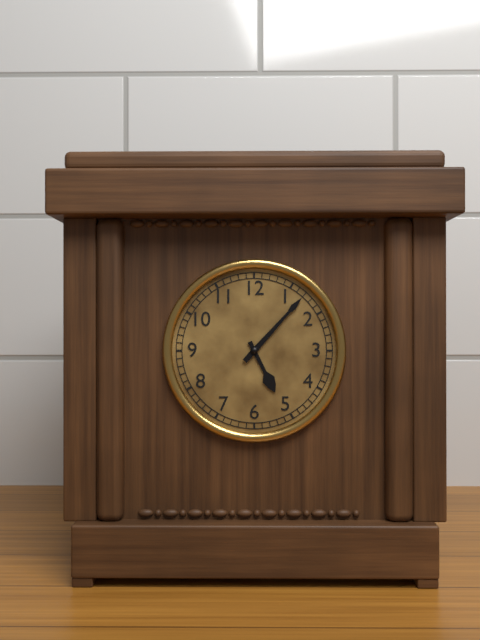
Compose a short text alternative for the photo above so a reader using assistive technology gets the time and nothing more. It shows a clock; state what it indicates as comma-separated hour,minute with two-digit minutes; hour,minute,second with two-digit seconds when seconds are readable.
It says 5,07
